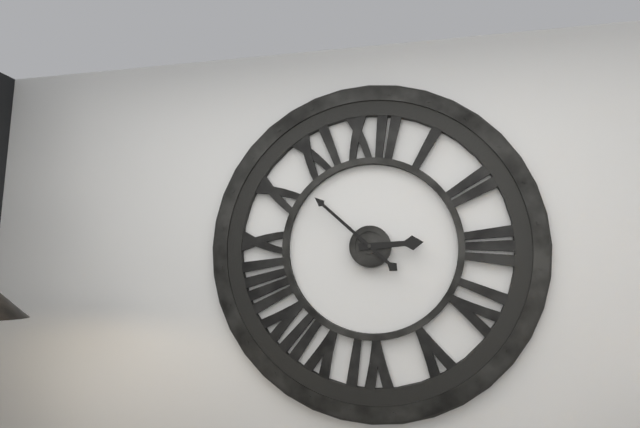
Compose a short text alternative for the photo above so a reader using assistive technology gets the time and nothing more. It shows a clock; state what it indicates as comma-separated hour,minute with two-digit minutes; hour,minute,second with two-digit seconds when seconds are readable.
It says 2,52
